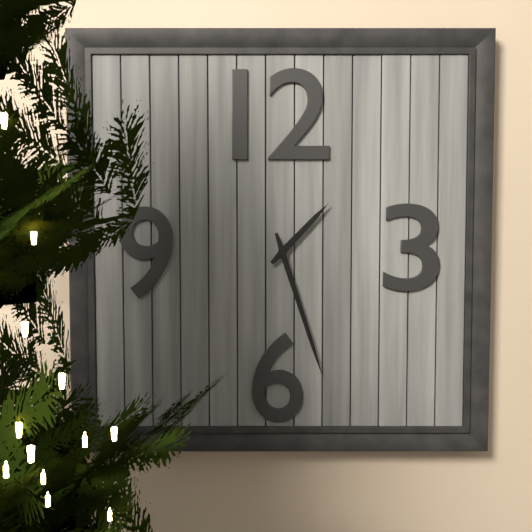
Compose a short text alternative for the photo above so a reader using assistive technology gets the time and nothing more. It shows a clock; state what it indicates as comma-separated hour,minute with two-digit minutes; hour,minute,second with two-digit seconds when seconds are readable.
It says 1,27
